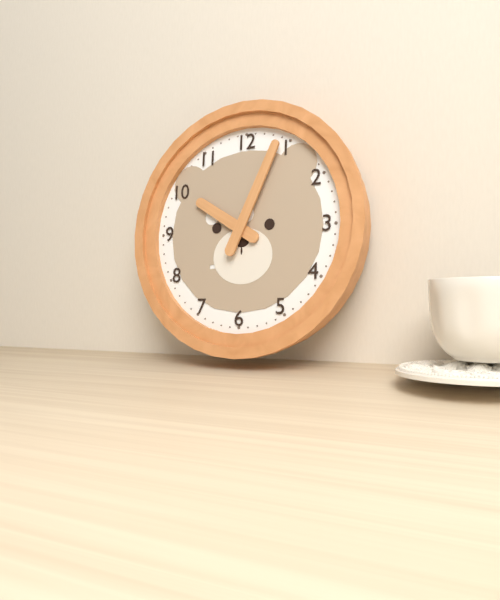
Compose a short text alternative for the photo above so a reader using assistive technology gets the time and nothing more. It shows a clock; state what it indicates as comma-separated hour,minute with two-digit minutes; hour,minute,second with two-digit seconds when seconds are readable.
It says 10,04
